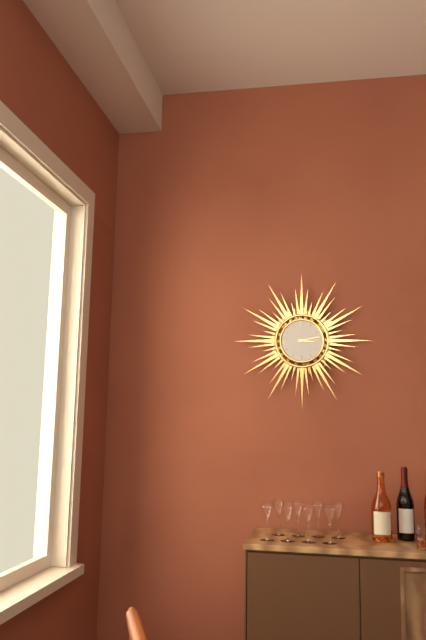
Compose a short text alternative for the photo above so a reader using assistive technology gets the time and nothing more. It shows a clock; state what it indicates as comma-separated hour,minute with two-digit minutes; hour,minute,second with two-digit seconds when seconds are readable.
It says 3,13
